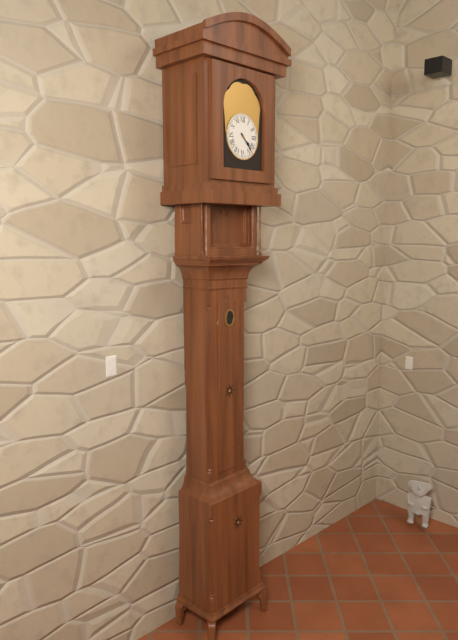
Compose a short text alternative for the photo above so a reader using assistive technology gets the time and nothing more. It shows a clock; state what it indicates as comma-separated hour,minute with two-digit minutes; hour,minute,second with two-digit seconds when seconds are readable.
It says 4,23
